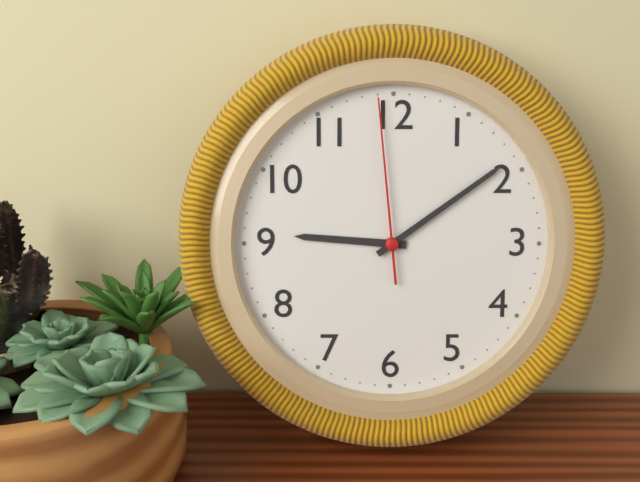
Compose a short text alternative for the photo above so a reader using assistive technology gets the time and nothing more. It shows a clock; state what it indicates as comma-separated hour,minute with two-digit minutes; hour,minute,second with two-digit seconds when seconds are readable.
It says 9,09,59
